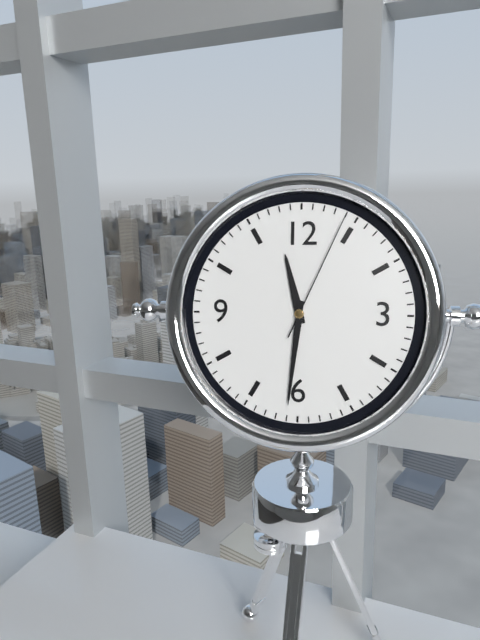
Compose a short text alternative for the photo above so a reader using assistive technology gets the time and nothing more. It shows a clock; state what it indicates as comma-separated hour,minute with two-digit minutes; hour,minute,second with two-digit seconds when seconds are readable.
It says 11,31,04
